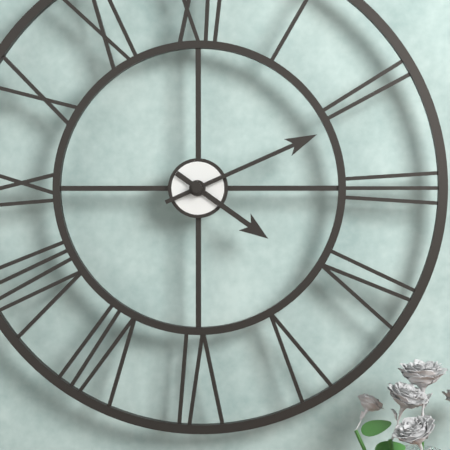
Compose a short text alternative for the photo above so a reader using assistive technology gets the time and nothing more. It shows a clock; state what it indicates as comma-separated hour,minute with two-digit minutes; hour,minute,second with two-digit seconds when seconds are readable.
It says 4,11
